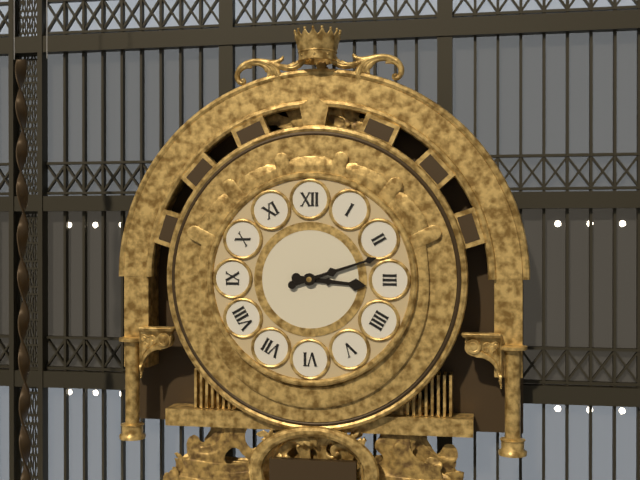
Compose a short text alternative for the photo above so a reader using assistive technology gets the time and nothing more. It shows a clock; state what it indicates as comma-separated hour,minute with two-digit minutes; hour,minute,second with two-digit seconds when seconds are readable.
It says 3,12
